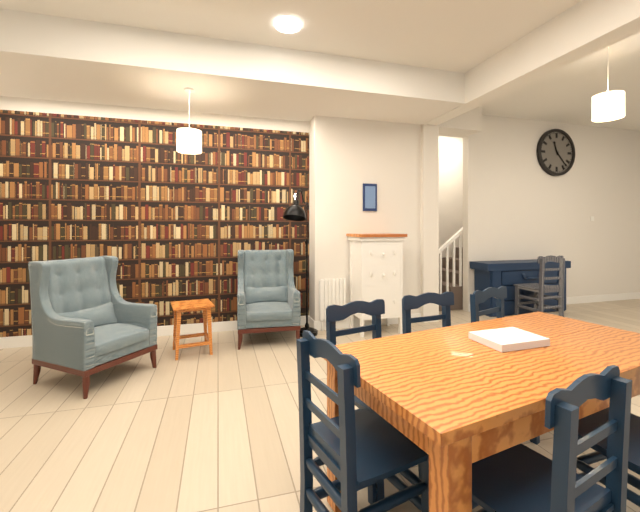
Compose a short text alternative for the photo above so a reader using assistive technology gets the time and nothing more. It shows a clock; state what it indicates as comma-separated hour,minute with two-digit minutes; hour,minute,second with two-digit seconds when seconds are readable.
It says 11,23
